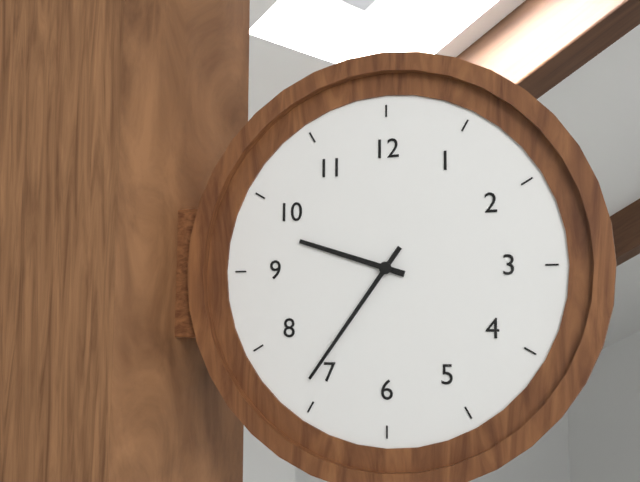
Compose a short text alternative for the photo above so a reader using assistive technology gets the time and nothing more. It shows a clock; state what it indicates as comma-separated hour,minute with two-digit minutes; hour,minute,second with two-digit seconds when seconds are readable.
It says 9,36
